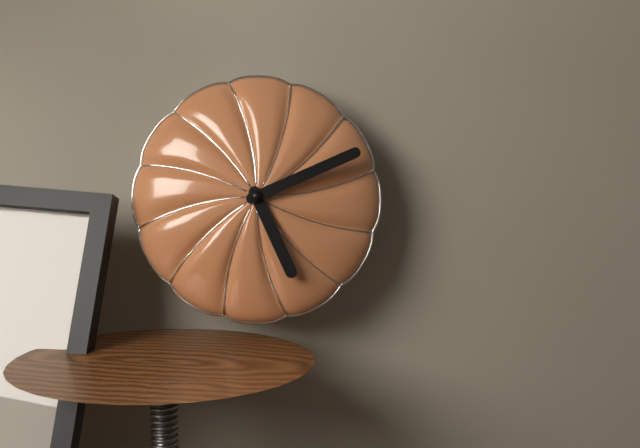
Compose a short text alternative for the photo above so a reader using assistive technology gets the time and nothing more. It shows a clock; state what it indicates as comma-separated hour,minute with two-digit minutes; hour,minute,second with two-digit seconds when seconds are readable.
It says 5,11
